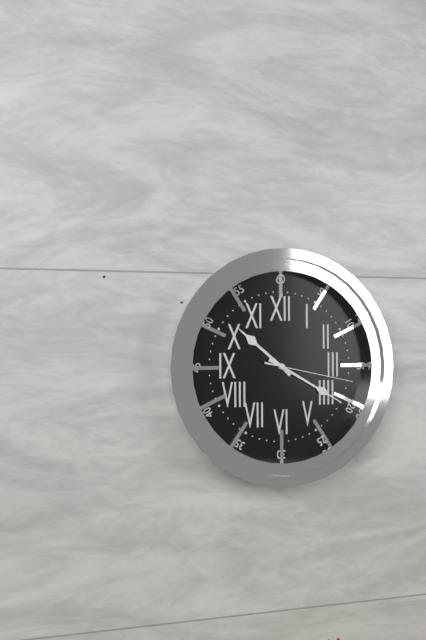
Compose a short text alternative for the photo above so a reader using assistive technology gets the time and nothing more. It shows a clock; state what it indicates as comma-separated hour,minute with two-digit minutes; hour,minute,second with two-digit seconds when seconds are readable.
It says 10,20,17
